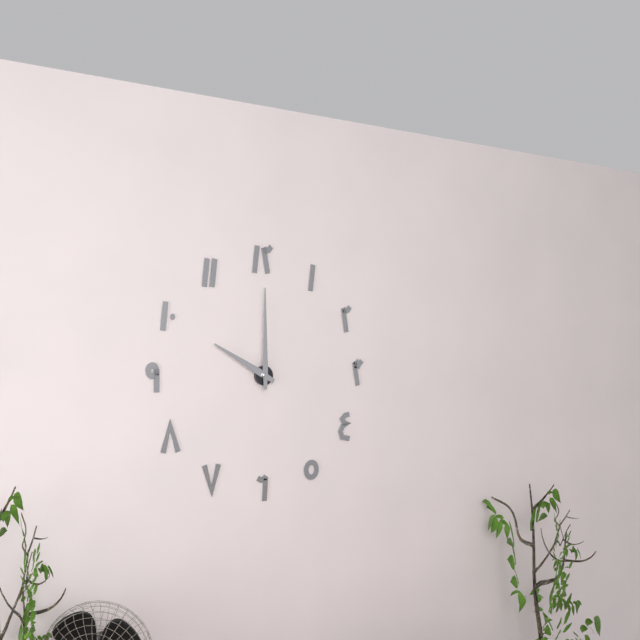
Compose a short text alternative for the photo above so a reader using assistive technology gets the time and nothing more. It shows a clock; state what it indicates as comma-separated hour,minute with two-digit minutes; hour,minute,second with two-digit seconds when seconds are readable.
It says 10,00
